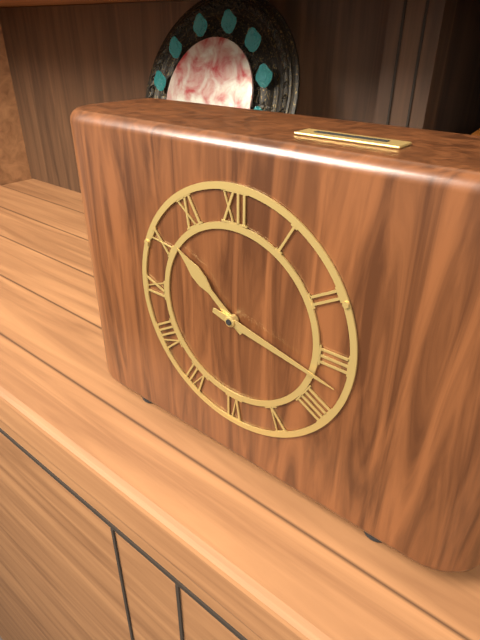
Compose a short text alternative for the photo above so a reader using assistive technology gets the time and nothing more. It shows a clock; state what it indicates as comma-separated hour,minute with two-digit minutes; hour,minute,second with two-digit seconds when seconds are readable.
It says 10,17
